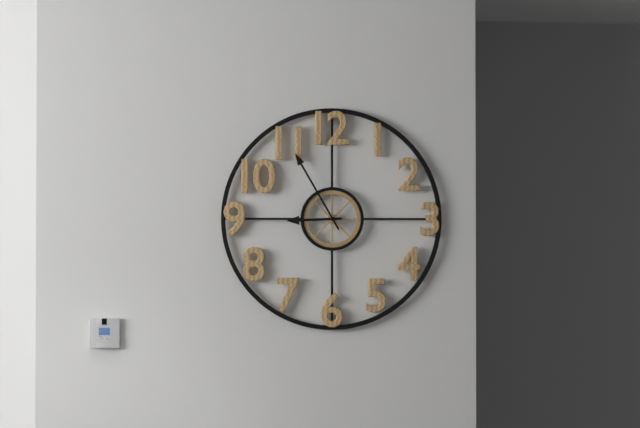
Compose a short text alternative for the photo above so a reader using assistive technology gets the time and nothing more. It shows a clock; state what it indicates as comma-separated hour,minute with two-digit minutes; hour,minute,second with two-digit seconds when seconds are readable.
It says 8,55
